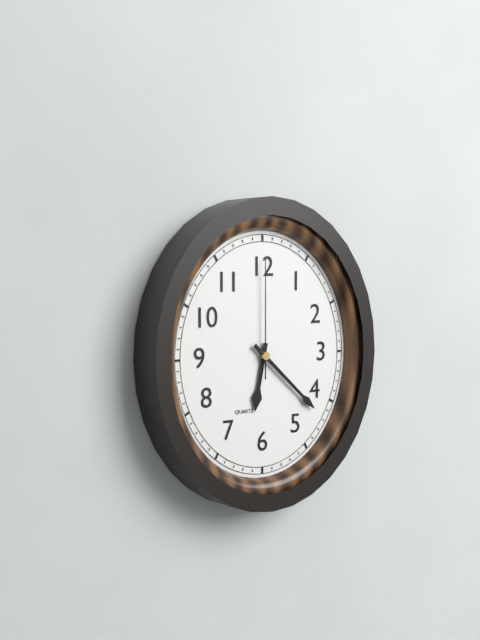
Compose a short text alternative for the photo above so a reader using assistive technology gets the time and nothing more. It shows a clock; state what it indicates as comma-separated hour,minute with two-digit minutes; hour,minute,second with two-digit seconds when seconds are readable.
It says 6,22,00
